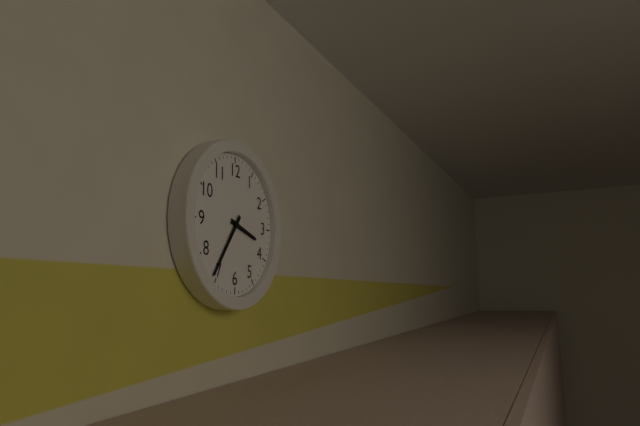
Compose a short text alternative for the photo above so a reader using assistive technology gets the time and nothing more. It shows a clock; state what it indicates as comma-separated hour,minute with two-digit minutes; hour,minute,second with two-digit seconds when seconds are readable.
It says 3,36
